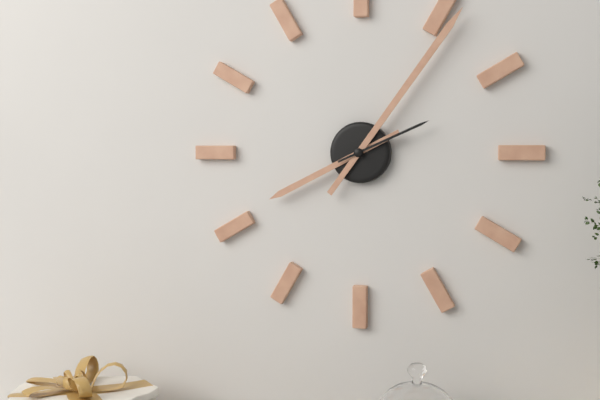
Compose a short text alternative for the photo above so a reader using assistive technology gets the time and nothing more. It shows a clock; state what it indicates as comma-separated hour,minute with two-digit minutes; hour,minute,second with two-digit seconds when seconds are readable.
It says 8,06,11
